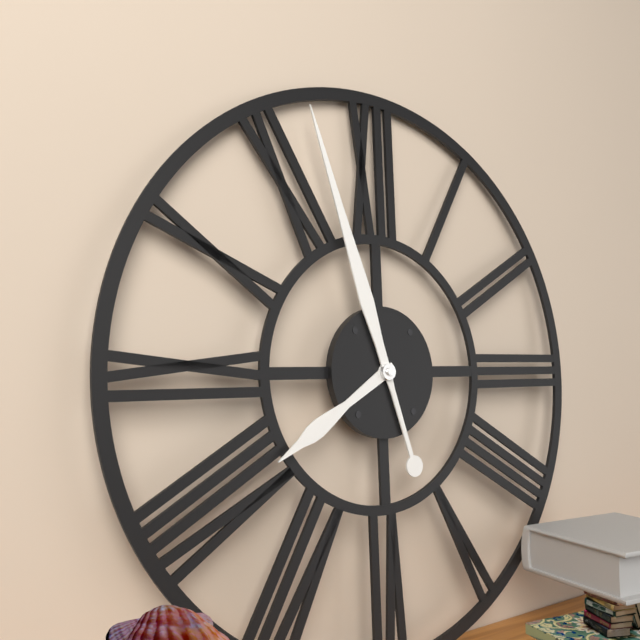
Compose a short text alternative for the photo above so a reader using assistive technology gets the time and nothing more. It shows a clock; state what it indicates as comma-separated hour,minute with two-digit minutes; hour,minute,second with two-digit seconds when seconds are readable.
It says 7,57
